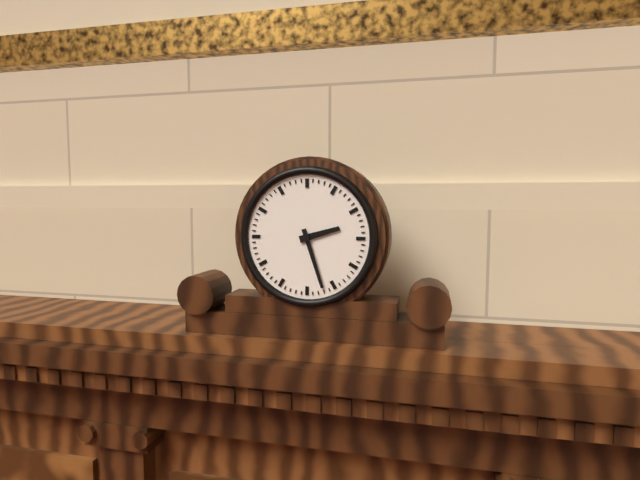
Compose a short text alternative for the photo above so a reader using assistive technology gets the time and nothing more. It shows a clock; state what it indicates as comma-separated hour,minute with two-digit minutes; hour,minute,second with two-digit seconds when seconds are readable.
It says 2,27
